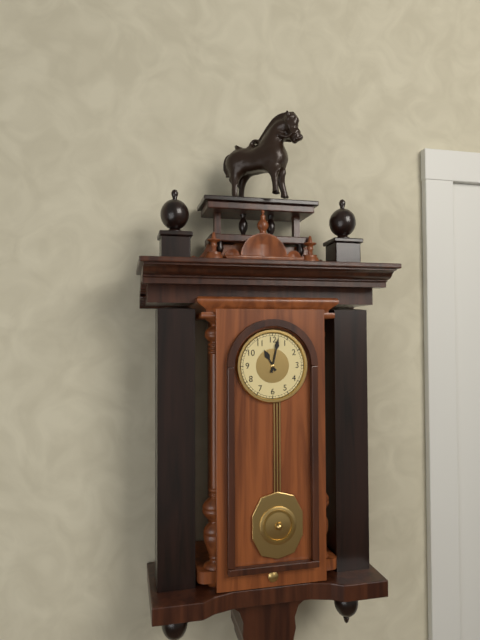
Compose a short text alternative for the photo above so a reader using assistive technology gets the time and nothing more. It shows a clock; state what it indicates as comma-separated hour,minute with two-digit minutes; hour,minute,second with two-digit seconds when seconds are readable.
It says 11,02
